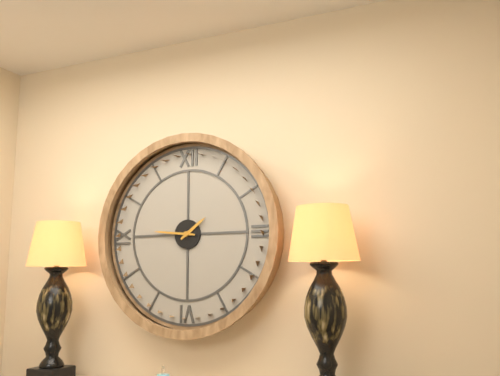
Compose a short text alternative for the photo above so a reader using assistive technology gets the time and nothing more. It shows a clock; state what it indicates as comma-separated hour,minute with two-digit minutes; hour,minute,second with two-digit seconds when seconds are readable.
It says 1,46
